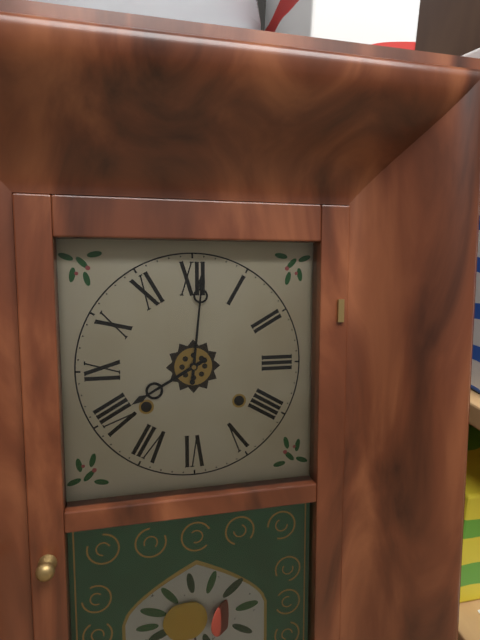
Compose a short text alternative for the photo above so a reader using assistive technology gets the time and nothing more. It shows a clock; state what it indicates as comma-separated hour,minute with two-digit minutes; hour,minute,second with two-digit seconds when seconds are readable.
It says 8,01
